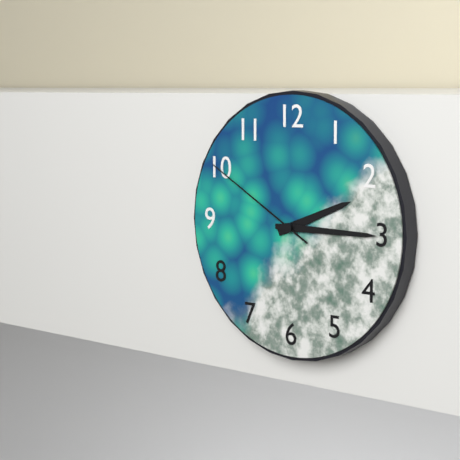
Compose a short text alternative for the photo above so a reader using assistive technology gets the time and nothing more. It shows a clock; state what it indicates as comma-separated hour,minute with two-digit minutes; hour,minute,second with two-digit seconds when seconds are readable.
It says 2,15,50
